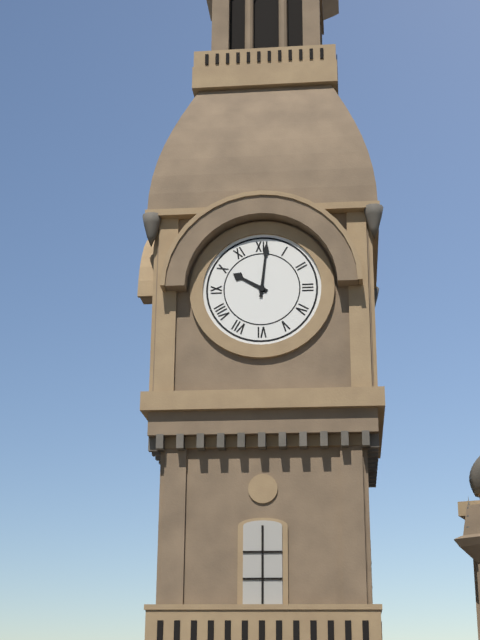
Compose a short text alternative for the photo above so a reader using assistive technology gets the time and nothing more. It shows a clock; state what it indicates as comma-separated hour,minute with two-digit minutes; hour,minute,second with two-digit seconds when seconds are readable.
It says 10,01
